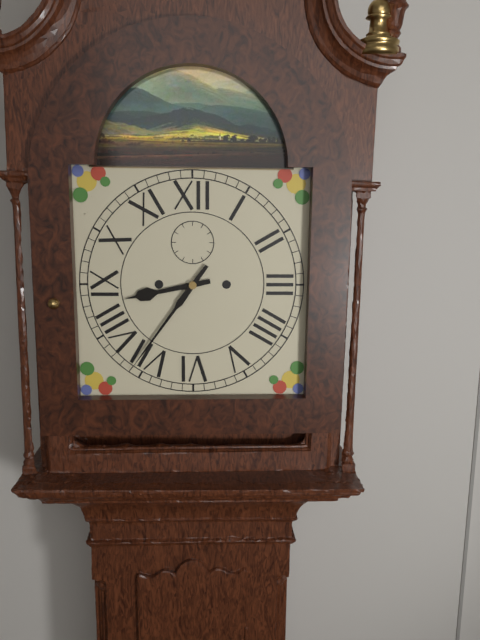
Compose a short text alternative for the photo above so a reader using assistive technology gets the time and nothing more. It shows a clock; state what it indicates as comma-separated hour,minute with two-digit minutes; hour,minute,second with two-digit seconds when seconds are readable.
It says 8,36
